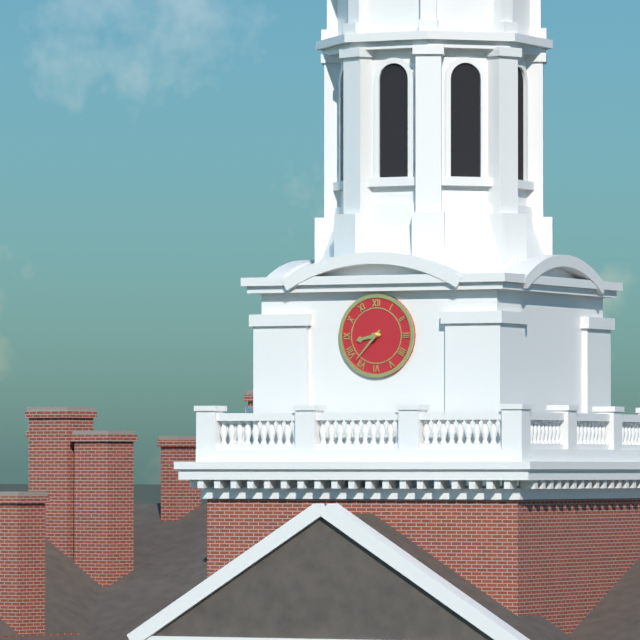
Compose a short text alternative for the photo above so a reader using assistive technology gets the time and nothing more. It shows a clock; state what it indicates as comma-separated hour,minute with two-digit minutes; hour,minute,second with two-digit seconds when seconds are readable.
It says 8,37
